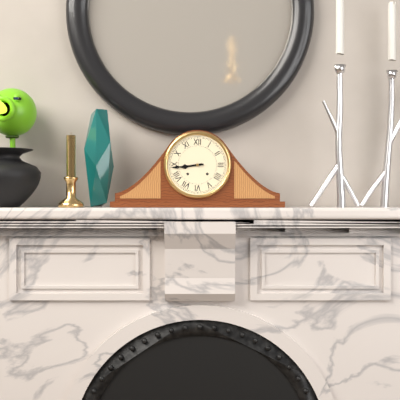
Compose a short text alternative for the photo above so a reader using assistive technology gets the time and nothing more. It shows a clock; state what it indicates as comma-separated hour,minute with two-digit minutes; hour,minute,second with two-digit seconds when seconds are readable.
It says 8,44
